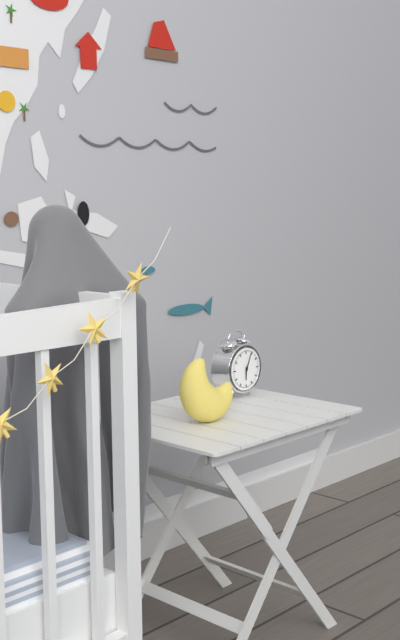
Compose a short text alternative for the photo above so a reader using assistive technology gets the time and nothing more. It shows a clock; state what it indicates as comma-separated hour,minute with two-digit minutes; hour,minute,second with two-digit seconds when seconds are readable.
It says 6,04
